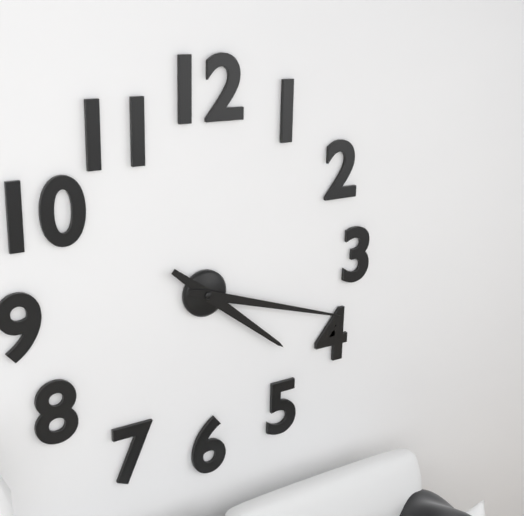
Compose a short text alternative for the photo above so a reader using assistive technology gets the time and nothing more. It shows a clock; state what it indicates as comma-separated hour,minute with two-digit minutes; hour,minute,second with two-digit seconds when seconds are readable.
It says 4,18
